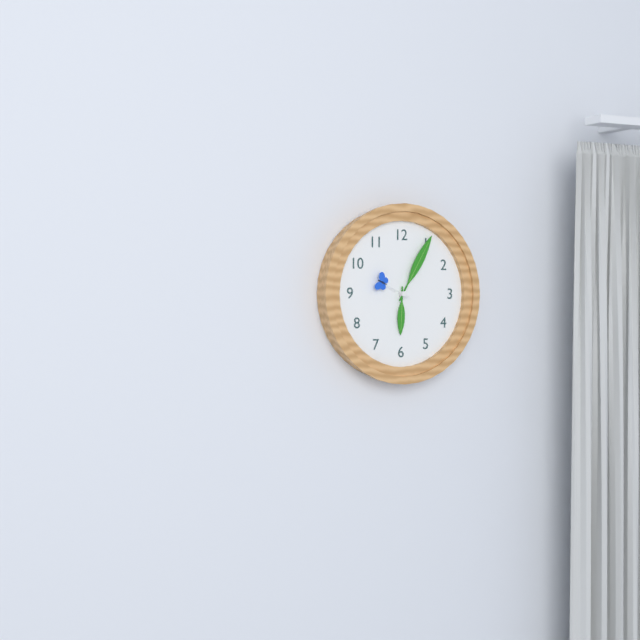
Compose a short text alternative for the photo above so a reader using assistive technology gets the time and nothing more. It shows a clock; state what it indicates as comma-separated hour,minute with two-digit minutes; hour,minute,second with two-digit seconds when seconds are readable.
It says 6,05
